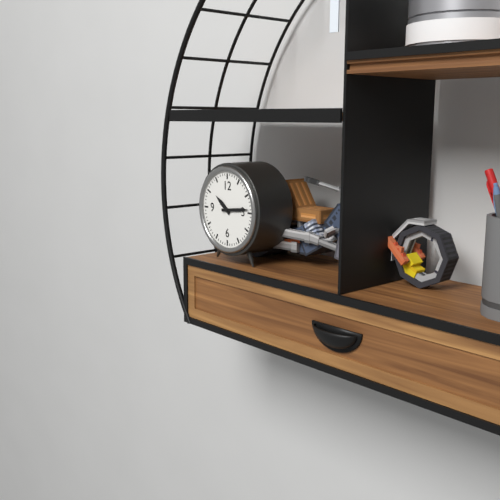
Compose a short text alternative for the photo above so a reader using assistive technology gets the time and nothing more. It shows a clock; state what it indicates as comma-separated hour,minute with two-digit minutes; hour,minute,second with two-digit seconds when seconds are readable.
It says 10,14
